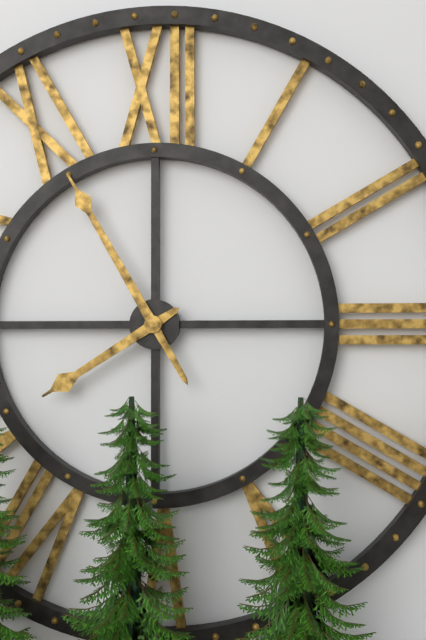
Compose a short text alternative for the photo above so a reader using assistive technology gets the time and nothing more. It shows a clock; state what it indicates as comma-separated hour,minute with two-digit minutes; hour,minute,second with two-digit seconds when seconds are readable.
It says 7,55
